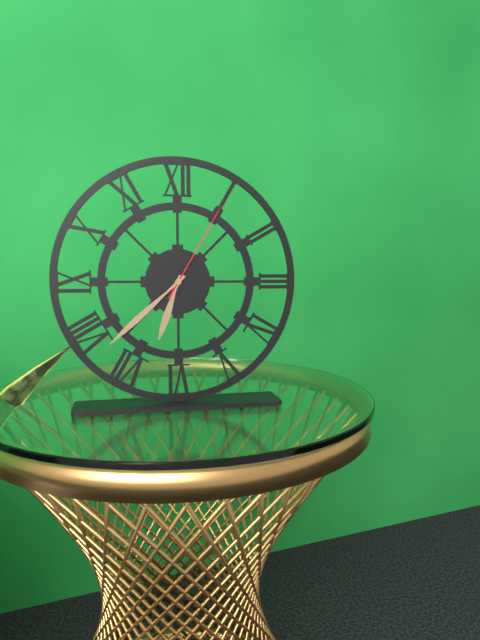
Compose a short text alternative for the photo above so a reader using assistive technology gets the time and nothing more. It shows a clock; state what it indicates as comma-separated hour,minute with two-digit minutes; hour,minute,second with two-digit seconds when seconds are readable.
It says 6,38,05
